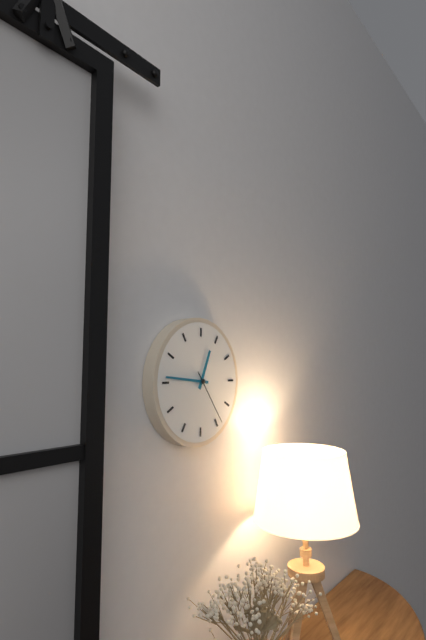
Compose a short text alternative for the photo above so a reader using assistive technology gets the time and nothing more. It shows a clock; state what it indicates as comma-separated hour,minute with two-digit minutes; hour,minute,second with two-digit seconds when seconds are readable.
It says 12,46,24
